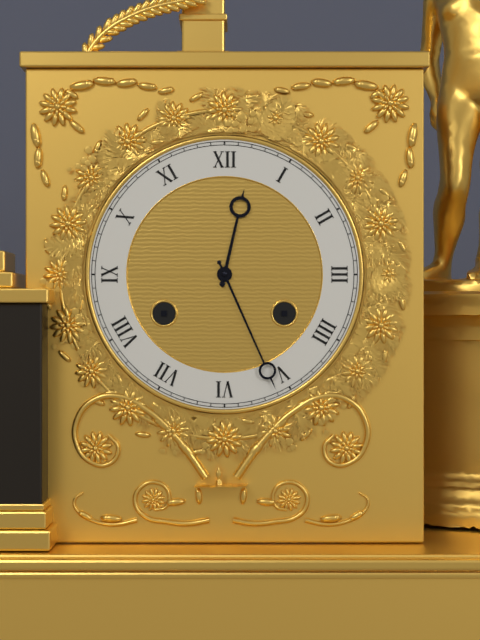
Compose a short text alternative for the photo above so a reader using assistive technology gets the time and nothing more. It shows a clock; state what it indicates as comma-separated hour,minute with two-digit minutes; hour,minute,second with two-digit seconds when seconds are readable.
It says 12,26
